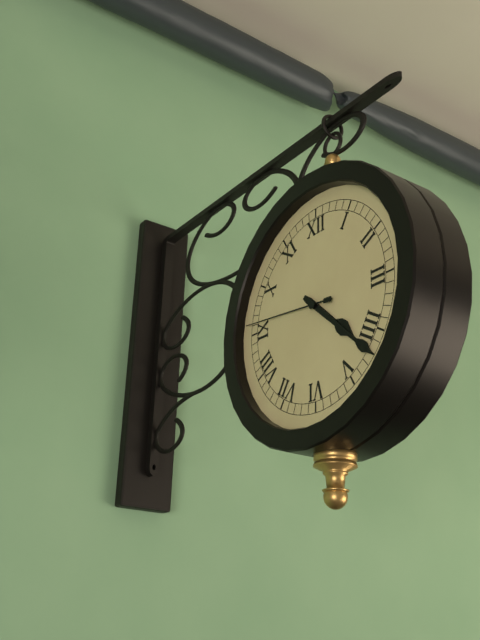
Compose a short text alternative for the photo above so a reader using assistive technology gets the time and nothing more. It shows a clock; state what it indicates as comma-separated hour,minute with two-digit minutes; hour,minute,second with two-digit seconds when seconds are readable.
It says 4,22,46
